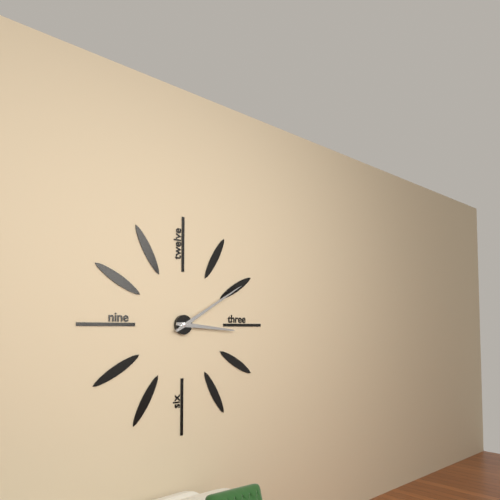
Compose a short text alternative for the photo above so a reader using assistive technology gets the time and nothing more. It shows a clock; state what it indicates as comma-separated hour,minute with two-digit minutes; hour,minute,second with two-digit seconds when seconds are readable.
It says 3,10
